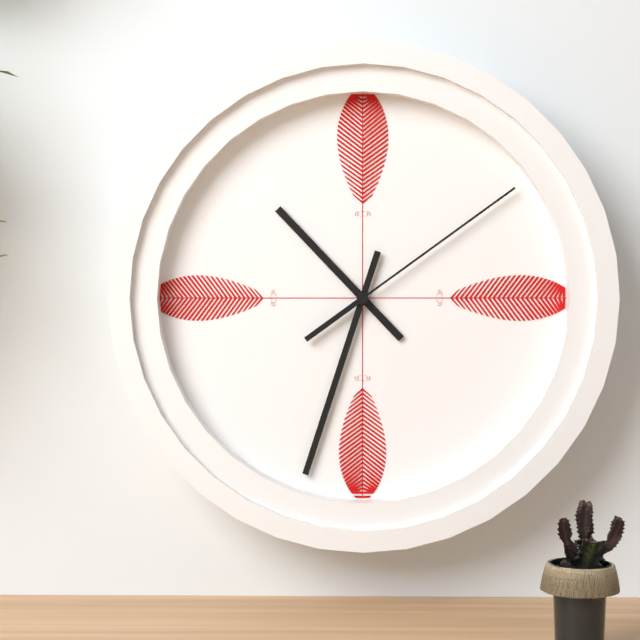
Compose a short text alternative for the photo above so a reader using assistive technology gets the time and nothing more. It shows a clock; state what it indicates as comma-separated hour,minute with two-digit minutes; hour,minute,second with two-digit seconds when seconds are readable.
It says 10,33,09
